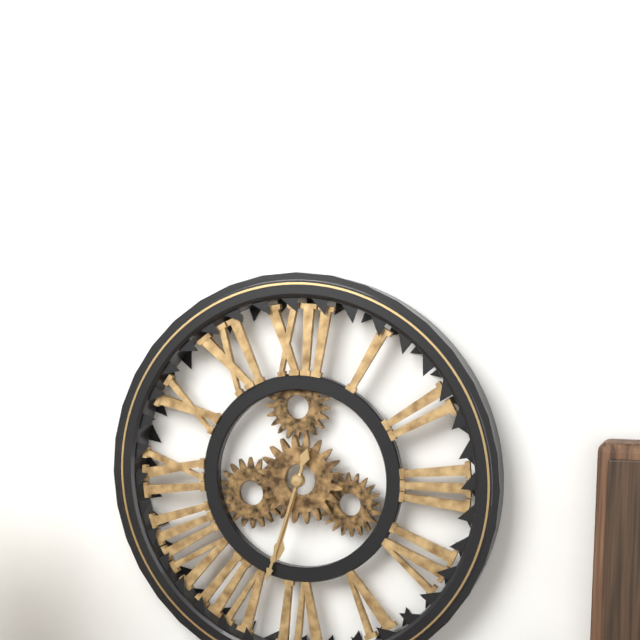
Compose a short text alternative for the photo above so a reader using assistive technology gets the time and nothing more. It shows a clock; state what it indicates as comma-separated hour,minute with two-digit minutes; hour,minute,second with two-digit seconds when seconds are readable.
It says 6,33
